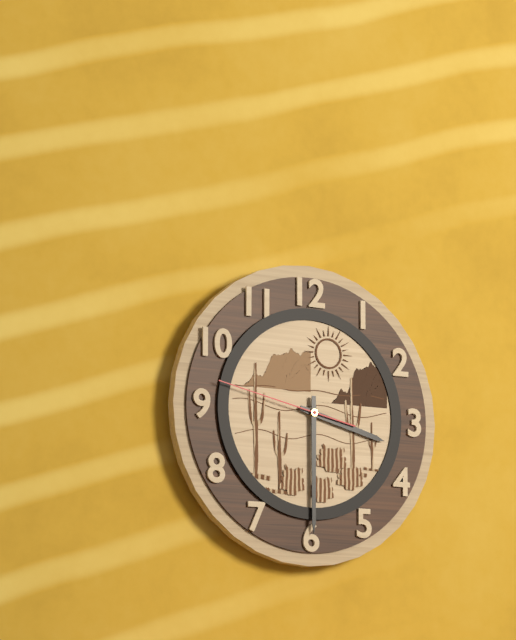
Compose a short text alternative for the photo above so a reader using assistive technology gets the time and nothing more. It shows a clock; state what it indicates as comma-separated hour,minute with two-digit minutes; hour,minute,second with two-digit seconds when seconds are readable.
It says 3,30,47
